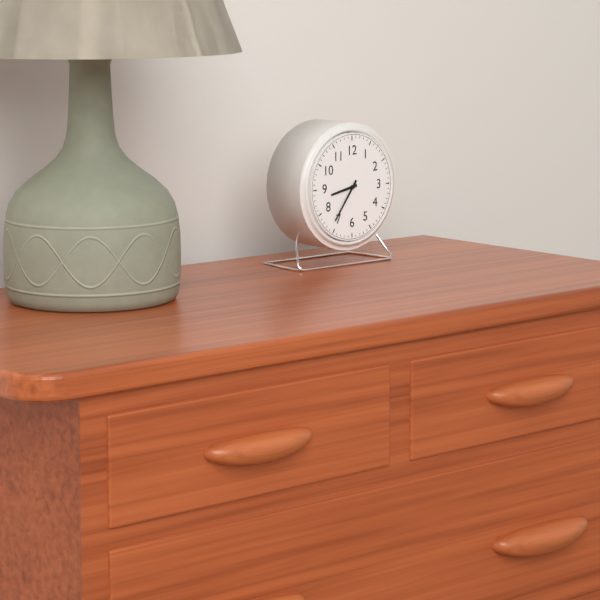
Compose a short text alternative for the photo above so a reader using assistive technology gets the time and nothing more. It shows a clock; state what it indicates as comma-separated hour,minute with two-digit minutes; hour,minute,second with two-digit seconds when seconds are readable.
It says 8,36
